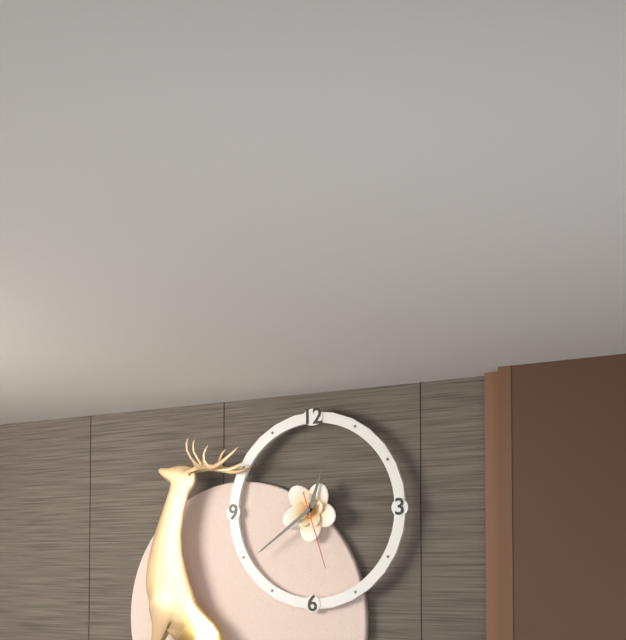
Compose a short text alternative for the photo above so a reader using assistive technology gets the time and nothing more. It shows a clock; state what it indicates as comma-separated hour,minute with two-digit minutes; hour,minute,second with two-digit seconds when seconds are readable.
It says 12,39,27
